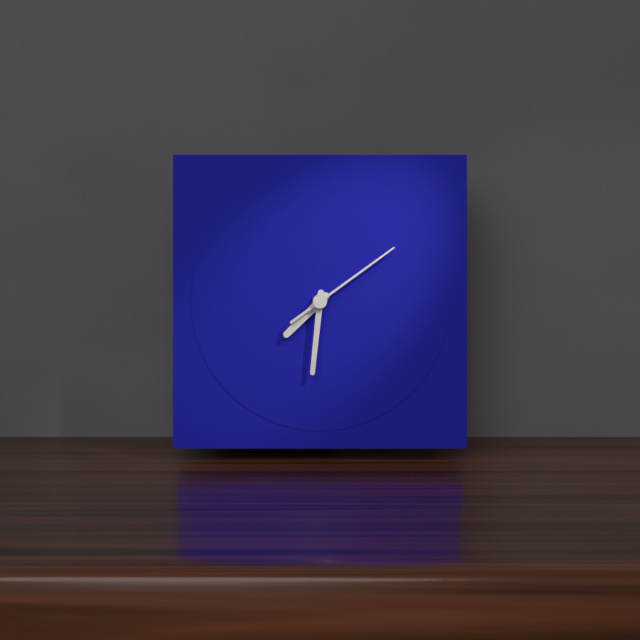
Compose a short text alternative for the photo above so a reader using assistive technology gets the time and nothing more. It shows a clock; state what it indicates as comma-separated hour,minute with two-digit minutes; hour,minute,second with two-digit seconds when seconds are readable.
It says 7,31,09
